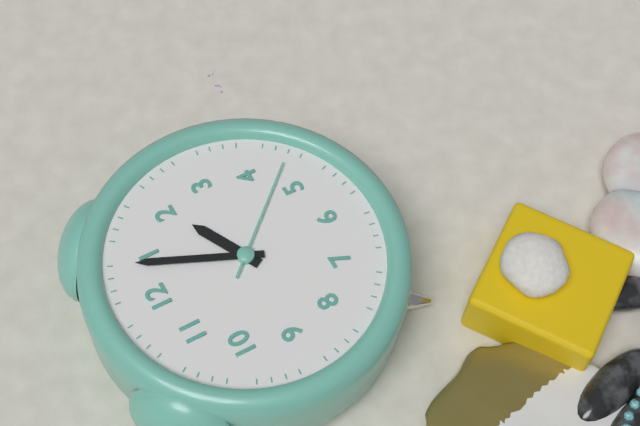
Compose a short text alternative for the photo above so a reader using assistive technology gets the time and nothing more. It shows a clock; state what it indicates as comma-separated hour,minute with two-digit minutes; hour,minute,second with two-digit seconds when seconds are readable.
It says 2,04,23
